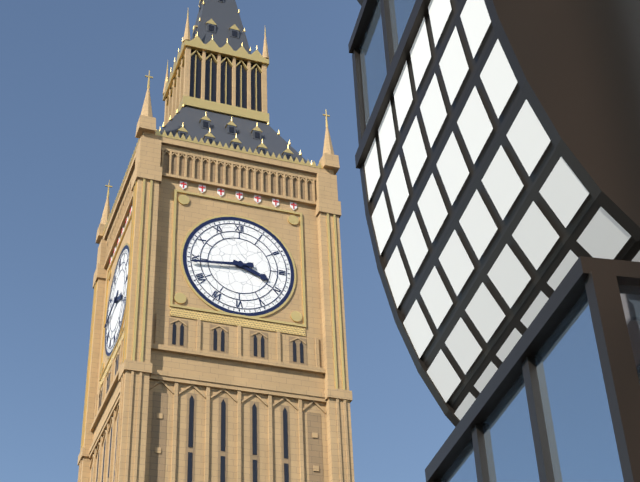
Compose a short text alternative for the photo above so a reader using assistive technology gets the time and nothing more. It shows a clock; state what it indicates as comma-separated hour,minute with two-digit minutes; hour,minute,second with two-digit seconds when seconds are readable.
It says 3,44
